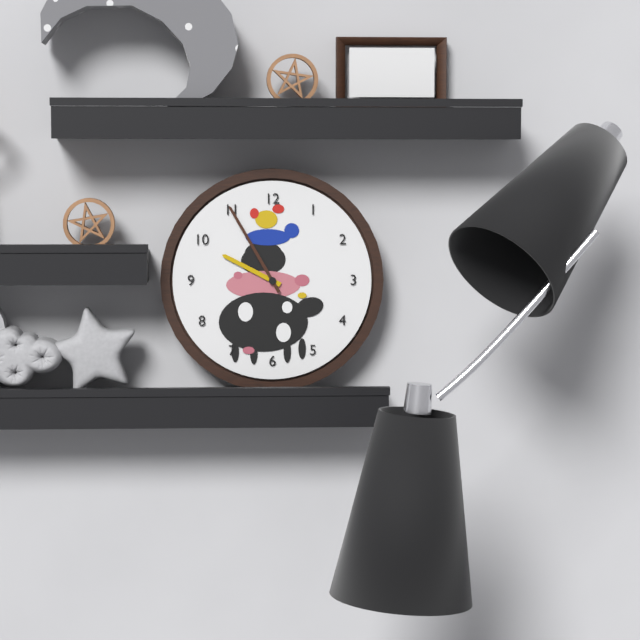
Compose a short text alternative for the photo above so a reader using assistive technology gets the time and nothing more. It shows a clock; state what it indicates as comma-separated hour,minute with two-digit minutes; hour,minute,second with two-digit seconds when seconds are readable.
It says 9,55
